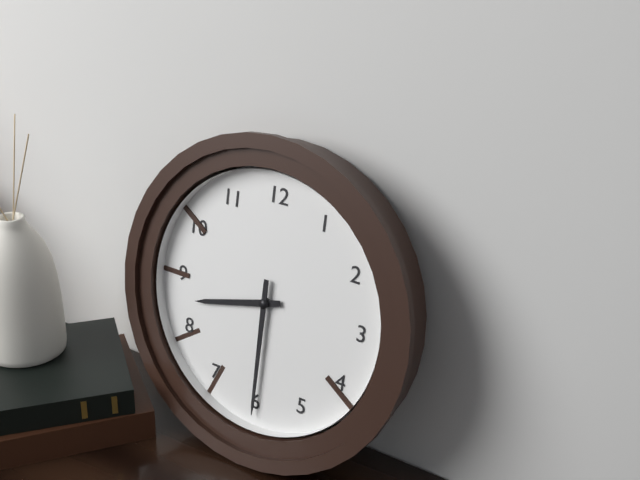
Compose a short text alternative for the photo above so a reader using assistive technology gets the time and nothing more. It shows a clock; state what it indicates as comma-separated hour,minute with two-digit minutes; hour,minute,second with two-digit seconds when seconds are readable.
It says 8,30
